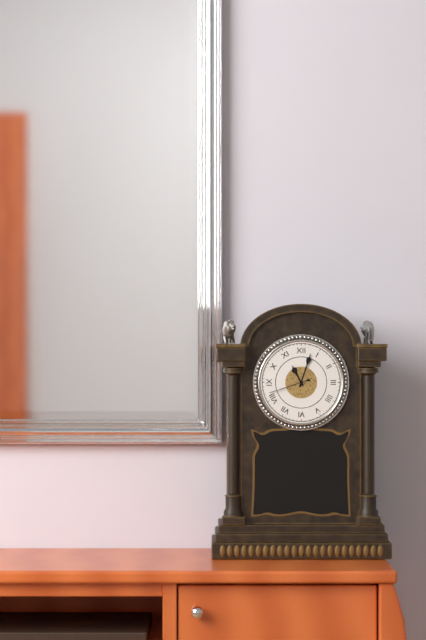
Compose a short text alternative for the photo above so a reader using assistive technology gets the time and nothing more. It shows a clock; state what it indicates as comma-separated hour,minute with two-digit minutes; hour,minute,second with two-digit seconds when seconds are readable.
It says 11,03
